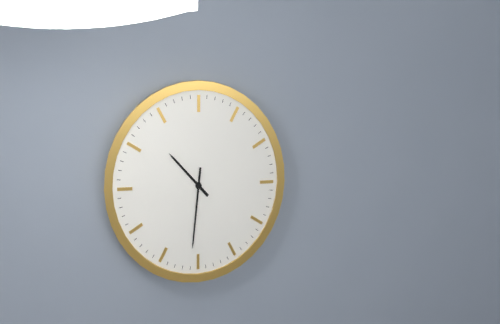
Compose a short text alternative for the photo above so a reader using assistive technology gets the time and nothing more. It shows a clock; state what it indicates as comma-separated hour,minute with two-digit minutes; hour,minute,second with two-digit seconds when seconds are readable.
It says 10,31
